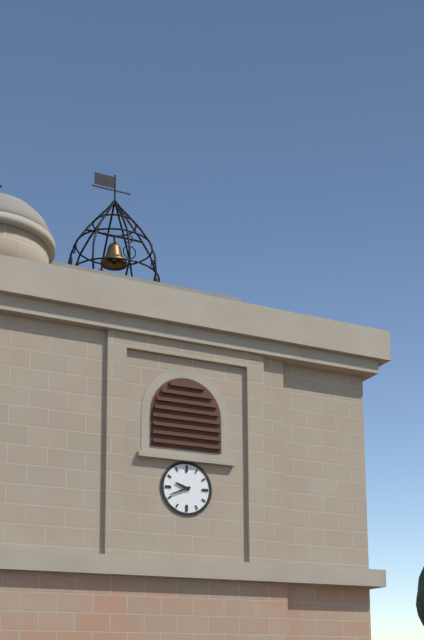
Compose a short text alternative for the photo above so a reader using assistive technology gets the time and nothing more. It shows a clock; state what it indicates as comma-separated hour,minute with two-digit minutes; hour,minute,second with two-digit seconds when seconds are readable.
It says 9,41
